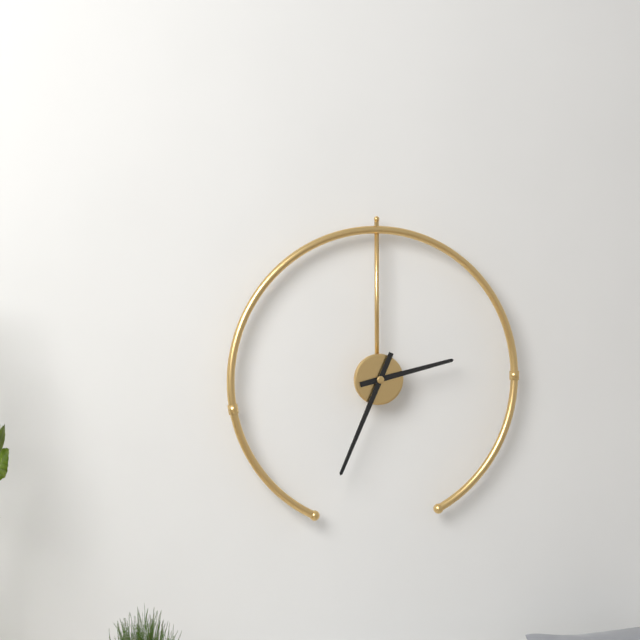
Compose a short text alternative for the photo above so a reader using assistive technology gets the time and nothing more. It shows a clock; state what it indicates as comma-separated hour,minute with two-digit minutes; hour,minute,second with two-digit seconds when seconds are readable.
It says 2,34
